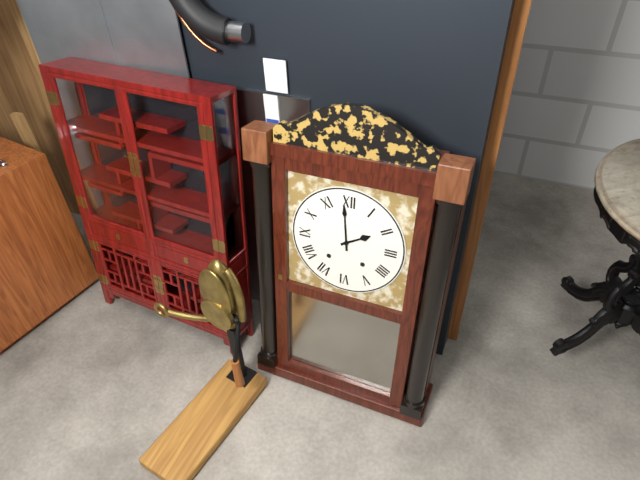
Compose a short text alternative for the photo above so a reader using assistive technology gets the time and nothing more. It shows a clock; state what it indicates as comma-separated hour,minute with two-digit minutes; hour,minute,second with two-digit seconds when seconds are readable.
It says 1,59
